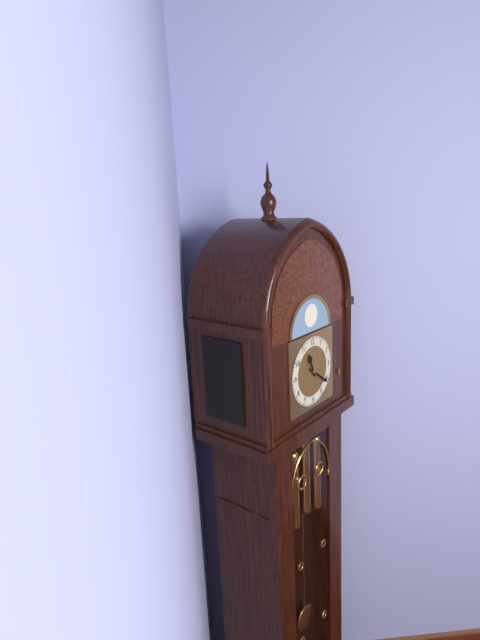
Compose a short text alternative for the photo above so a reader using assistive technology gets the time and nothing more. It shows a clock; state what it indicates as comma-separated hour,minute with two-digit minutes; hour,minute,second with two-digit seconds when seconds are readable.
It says 11,21
